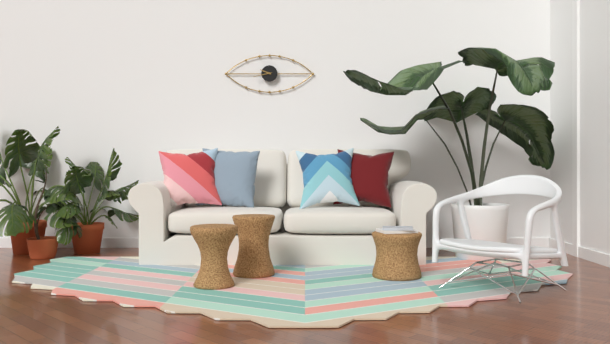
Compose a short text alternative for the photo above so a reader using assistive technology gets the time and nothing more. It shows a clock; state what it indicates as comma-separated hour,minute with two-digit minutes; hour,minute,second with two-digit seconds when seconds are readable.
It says 9,43
